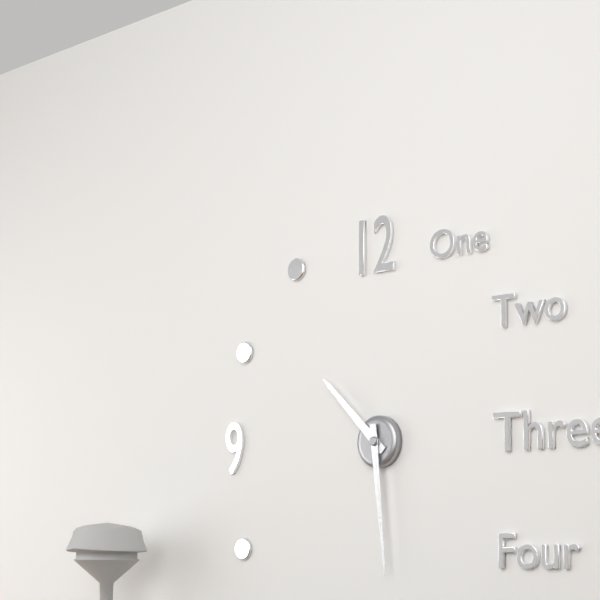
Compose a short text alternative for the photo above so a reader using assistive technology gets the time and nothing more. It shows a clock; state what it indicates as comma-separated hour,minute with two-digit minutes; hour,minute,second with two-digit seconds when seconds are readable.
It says 10,29
